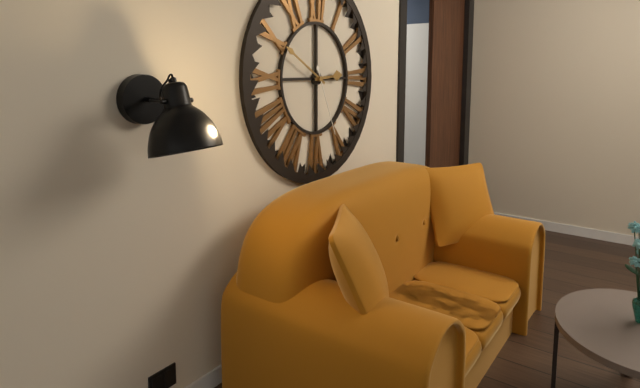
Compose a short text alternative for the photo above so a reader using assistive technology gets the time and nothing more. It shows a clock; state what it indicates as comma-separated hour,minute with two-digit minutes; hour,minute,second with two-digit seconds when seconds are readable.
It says 2,50,26
